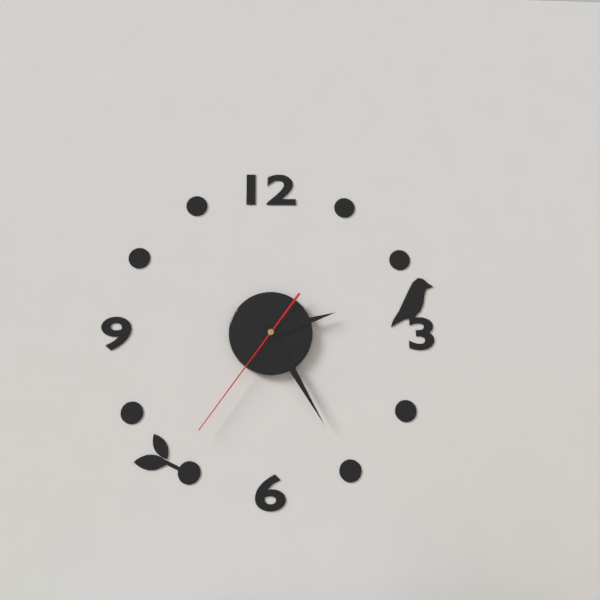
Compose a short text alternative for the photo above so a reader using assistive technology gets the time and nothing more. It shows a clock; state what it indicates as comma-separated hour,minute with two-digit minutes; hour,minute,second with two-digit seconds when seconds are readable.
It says 2,25,36
